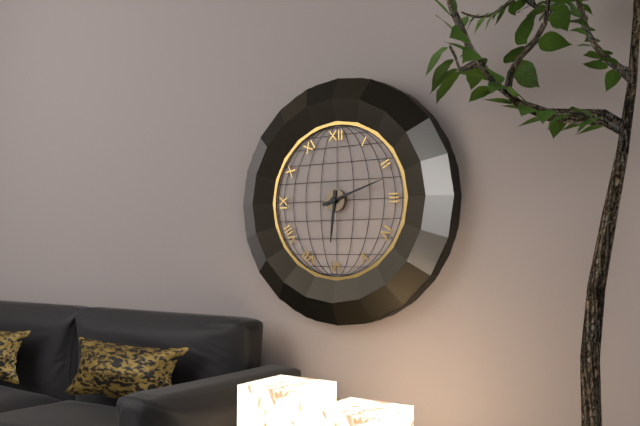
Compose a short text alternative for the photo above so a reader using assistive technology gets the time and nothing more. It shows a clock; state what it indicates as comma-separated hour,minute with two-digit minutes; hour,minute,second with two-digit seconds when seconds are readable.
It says 6,12
